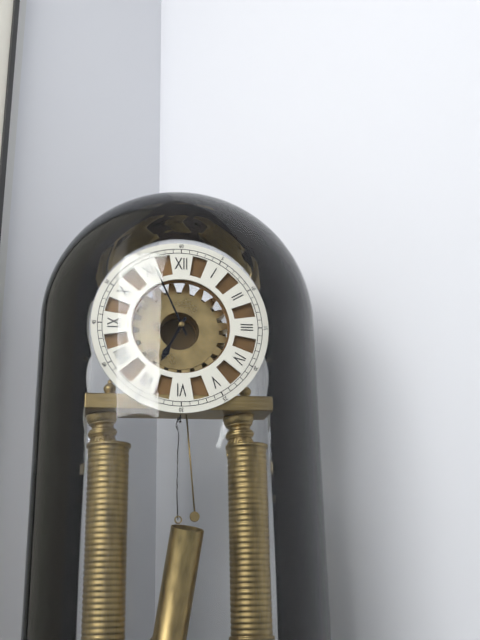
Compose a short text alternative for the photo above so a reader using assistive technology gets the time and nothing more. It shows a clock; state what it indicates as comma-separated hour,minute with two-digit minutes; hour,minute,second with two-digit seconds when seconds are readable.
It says 6,56
